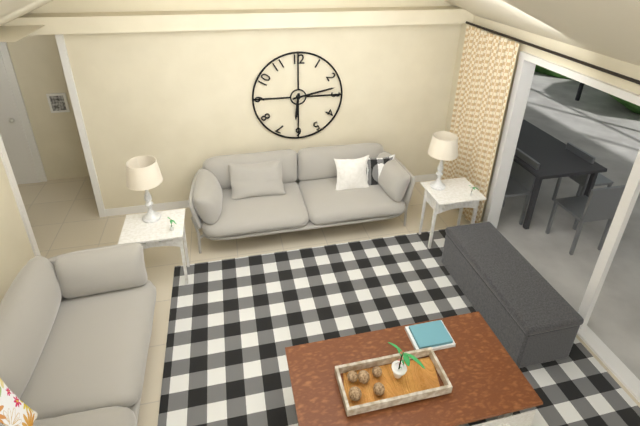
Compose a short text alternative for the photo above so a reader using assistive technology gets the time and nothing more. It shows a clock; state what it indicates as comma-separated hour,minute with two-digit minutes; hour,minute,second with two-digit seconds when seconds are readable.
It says 6,13
